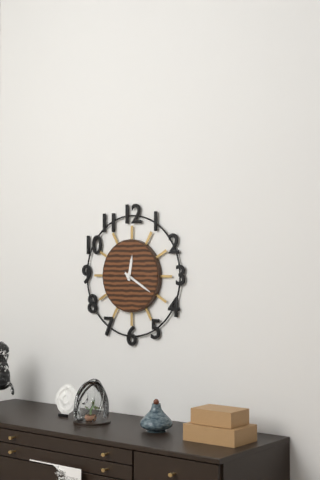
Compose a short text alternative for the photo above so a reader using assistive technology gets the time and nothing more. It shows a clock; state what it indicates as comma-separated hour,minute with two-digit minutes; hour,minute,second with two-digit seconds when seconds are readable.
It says 12,20
